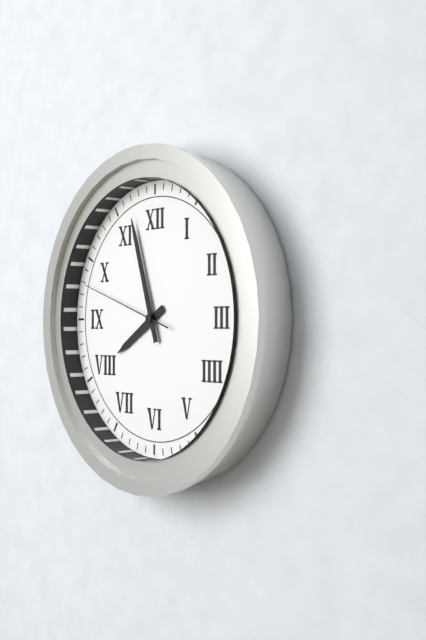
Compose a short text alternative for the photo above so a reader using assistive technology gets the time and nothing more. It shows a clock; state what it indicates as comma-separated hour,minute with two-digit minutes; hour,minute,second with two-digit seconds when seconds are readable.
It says 7,57,48
